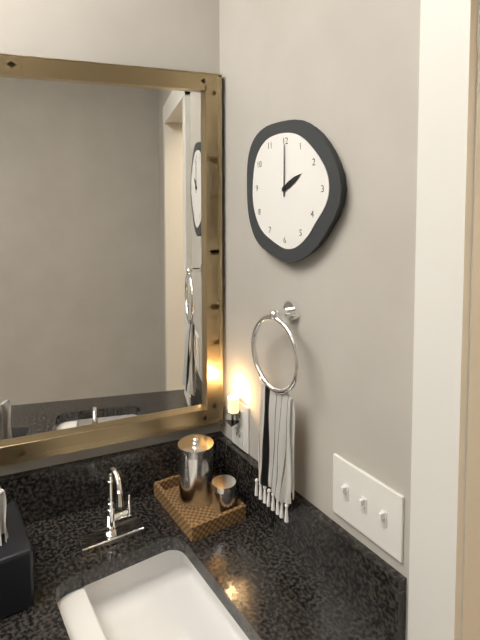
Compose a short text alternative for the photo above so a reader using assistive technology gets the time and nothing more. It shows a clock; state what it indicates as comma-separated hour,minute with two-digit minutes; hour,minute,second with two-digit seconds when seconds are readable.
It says 2,00
